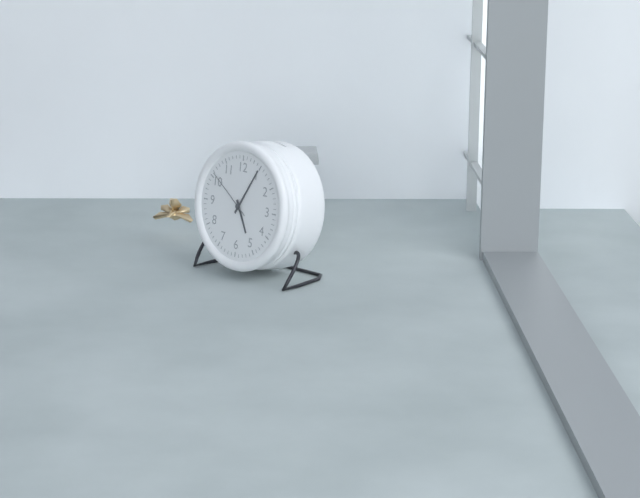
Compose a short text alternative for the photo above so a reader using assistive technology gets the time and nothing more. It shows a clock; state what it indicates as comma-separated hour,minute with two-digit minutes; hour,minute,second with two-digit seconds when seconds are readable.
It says 5,05,51
